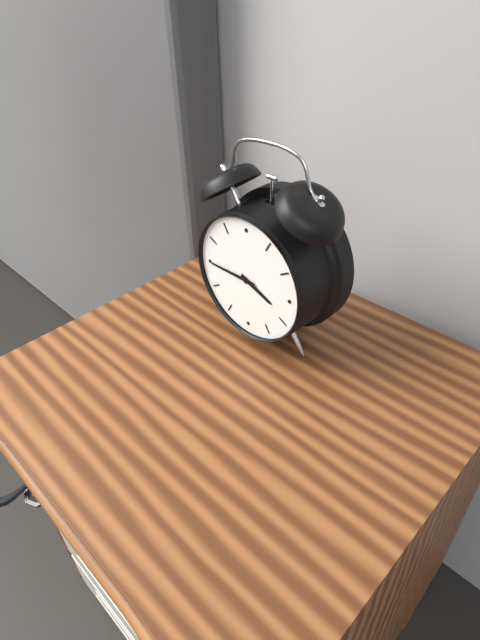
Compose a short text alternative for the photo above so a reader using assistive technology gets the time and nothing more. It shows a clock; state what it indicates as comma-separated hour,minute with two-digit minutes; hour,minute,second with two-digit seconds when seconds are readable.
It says 3,45
